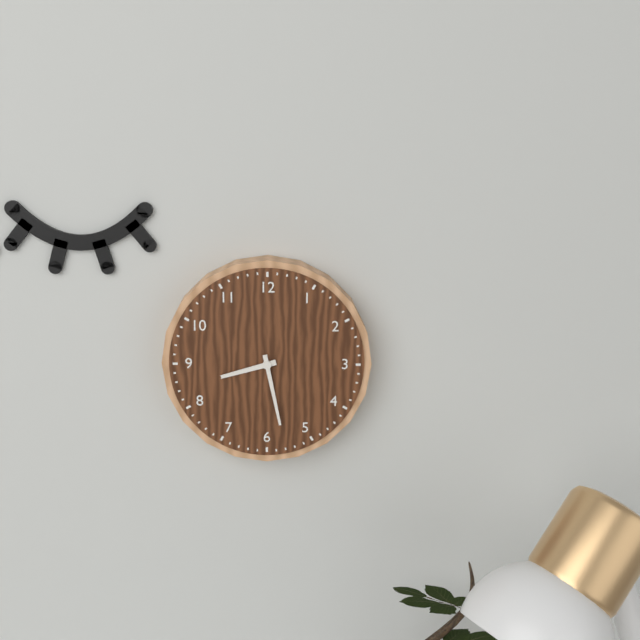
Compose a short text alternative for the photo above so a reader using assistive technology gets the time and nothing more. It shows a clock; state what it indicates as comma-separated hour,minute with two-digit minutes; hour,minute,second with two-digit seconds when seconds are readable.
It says 8,28
